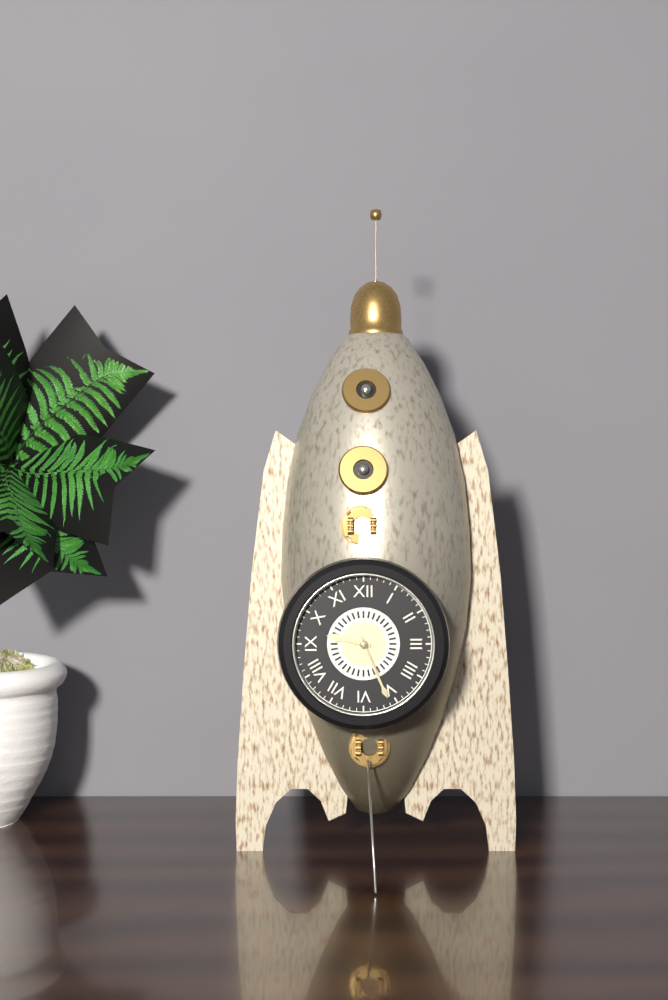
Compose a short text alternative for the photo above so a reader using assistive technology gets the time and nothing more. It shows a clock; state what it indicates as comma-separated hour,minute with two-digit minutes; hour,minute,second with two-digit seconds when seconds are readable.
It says 9,26
